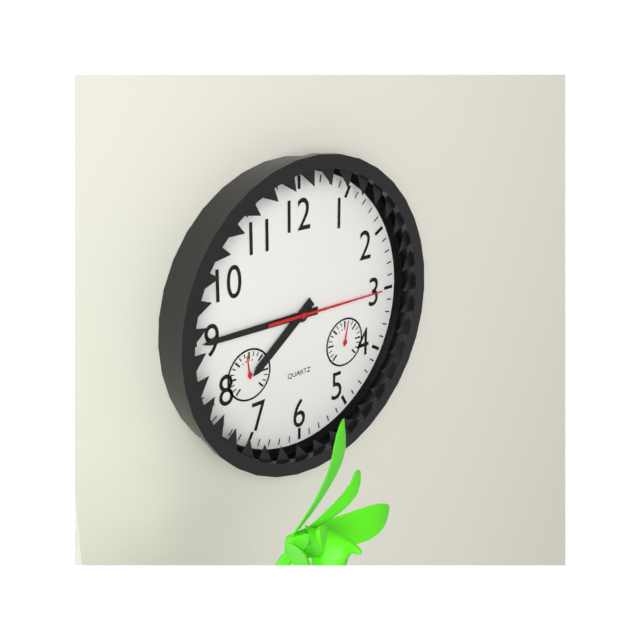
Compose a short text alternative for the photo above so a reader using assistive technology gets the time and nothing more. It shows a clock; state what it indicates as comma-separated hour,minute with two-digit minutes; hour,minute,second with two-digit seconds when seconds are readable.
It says 7,45,15
